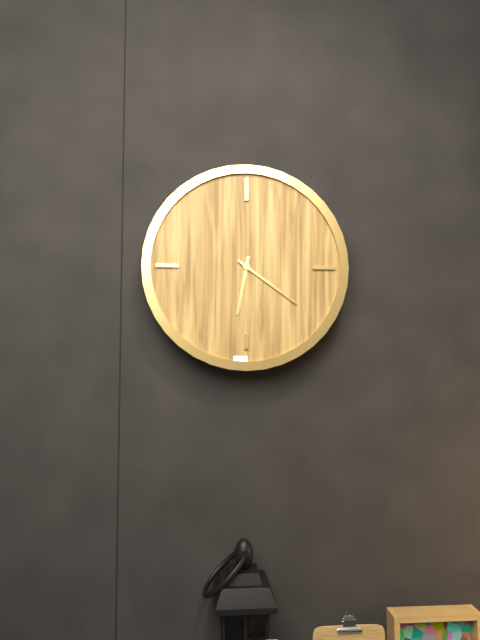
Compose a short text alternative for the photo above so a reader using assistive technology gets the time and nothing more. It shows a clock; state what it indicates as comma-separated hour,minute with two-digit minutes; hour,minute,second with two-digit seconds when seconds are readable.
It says 6,21
